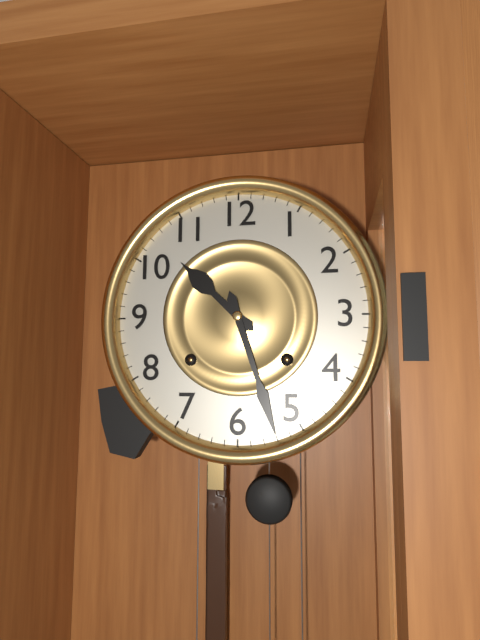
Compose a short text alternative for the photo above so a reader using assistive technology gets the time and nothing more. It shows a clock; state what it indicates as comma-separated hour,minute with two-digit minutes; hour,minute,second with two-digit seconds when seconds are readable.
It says 10,27
